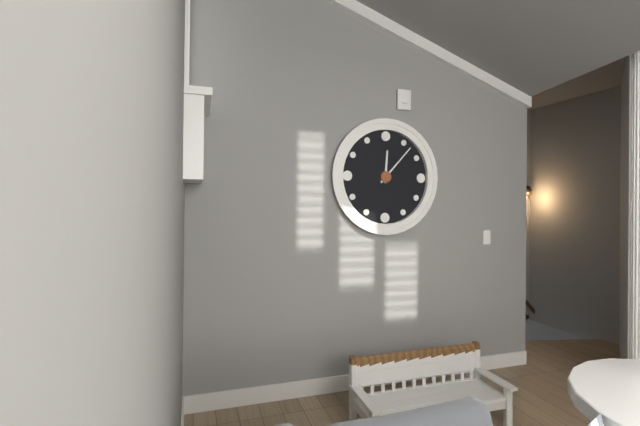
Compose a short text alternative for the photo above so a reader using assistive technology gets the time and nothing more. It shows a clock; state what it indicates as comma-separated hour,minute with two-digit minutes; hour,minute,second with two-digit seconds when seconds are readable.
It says 12,07
